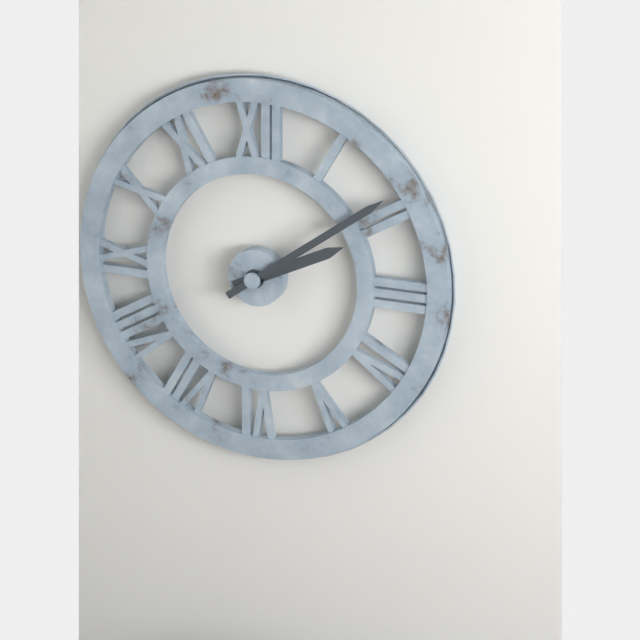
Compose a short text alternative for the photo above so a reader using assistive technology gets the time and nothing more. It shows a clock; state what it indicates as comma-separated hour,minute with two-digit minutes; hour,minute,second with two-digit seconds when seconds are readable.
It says 2,09
